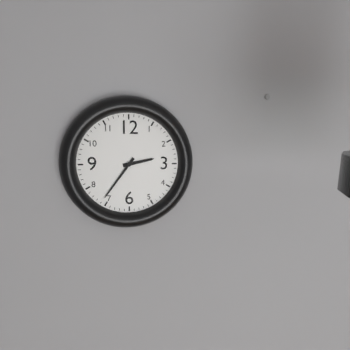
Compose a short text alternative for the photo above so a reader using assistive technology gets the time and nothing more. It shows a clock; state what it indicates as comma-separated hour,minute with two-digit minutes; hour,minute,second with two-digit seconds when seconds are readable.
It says 2,36
